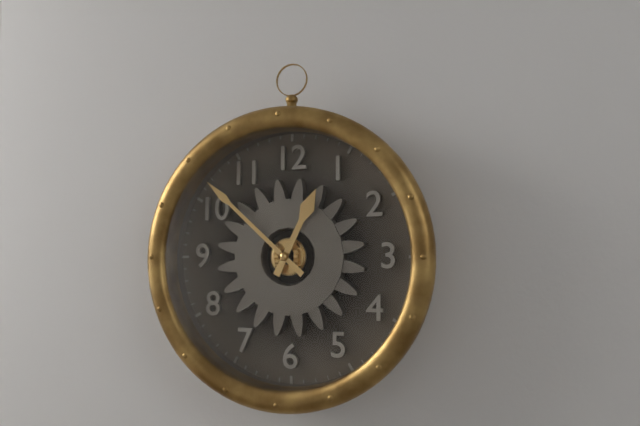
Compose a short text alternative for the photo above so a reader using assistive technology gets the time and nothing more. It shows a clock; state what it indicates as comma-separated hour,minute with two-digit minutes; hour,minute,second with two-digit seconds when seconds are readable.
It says 12,52
